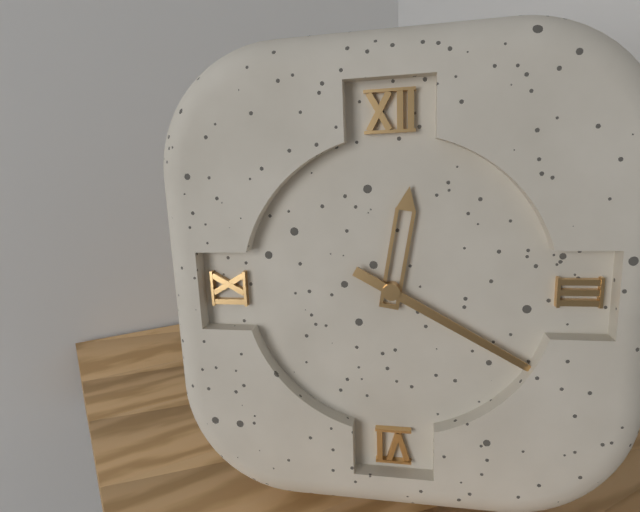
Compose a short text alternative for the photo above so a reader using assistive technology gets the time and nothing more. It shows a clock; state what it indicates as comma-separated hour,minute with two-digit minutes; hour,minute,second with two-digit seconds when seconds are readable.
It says 12,20
